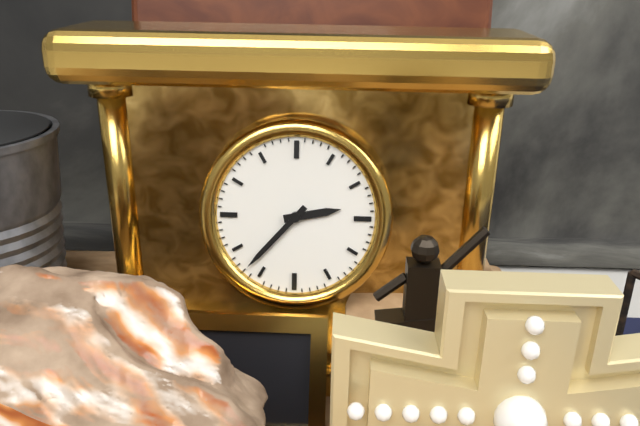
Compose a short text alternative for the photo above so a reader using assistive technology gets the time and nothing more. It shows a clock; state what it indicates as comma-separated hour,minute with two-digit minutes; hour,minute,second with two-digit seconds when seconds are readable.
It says 2,37
